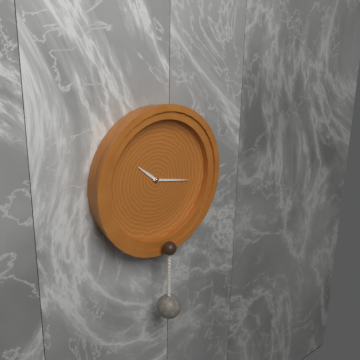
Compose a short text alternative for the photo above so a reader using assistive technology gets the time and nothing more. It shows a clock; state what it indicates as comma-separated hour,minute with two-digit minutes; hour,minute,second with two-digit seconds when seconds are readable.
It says 10,17
